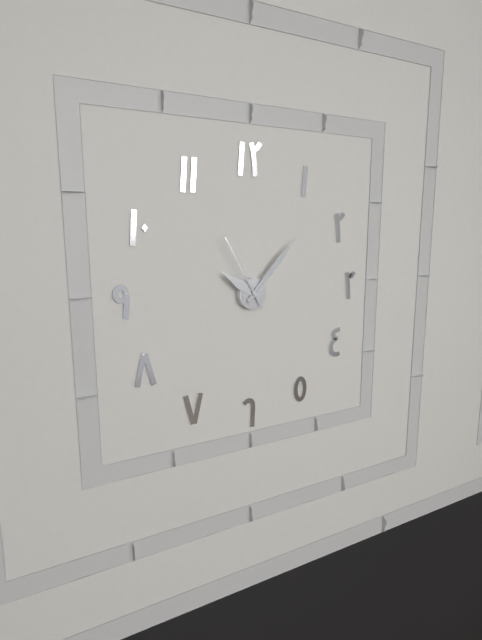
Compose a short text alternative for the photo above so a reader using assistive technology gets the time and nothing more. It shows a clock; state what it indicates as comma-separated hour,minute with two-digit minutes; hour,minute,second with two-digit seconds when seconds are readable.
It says 10,07,55
